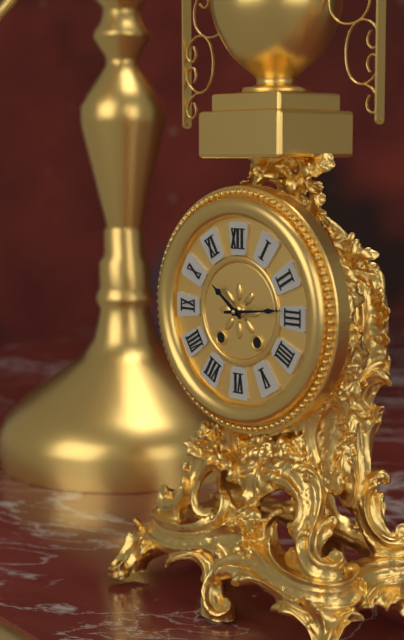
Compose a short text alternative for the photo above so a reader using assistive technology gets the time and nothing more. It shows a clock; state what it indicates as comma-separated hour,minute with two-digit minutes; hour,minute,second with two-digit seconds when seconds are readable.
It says 10,14
